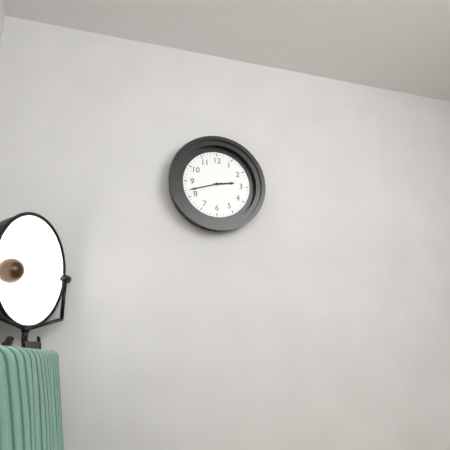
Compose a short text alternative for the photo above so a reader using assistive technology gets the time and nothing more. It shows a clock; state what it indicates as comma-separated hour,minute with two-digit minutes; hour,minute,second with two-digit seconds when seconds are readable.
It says 2,42
